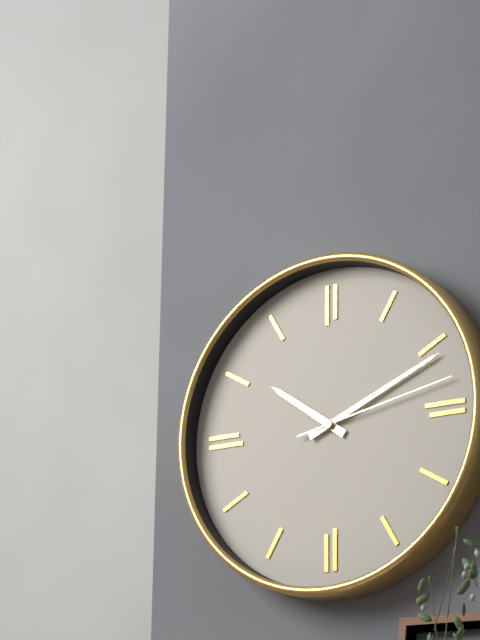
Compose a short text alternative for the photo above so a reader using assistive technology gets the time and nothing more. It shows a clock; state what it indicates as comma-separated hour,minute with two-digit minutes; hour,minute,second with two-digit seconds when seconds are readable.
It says 10,11,13
